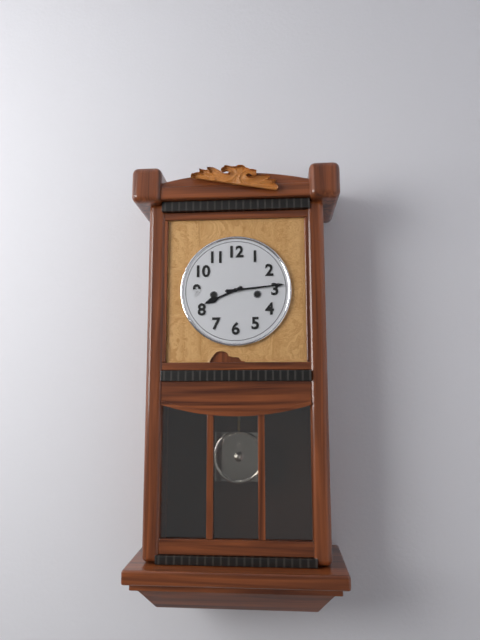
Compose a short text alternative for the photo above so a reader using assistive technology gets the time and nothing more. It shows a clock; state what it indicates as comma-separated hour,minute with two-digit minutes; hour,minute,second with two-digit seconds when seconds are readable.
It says 8,14
